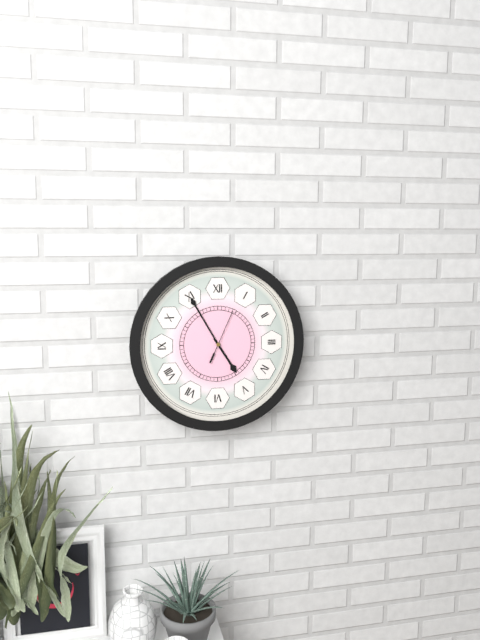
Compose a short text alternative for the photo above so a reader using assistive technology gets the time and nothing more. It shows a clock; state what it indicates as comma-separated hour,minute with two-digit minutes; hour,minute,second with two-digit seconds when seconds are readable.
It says 4,55
